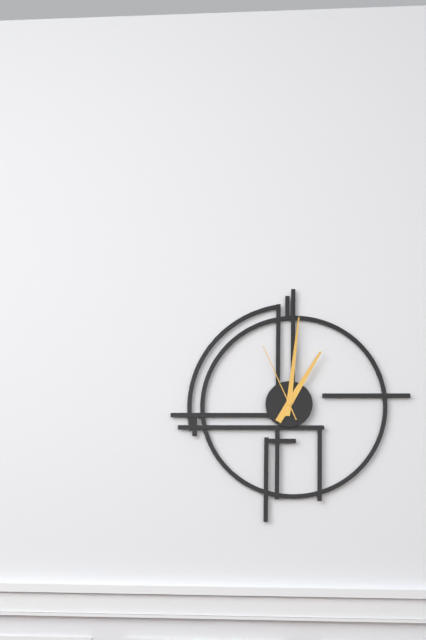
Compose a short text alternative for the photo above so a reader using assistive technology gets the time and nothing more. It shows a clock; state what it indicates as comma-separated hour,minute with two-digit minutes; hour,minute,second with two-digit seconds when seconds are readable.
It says 1,01,56
